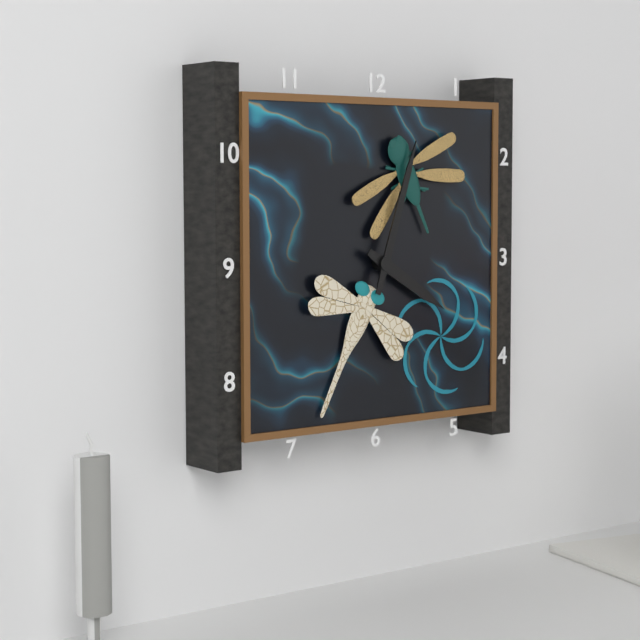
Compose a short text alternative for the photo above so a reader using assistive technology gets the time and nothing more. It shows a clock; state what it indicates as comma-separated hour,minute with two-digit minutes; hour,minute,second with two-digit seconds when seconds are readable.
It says 4,03
